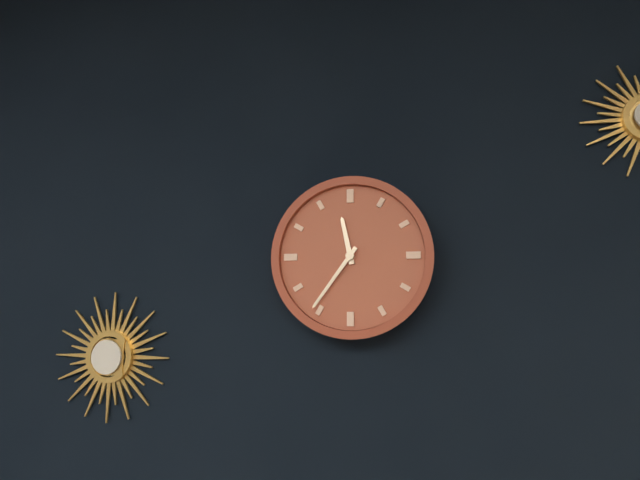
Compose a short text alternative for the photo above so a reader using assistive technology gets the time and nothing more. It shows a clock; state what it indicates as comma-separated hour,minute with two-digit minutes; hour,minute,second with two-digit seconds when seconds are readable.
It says 11,36
